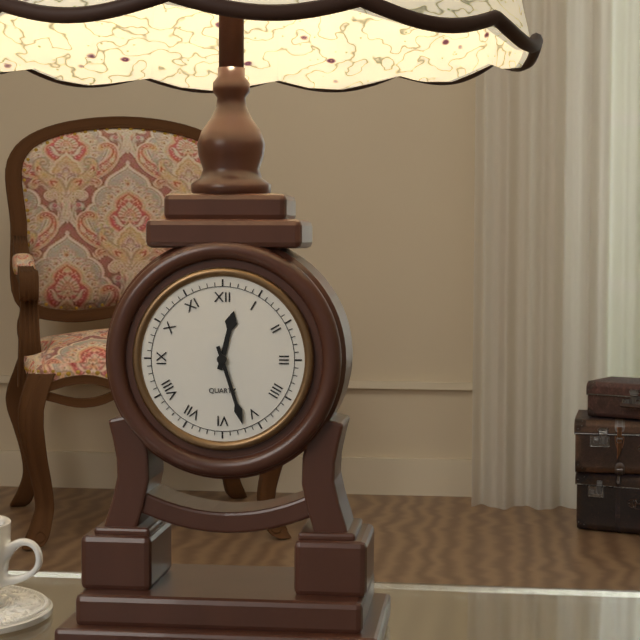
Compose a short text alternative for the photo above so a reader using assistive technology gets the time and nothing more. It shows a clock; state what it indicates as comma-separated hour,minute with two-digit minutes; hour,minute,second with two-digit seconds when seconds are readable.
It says 12,27
